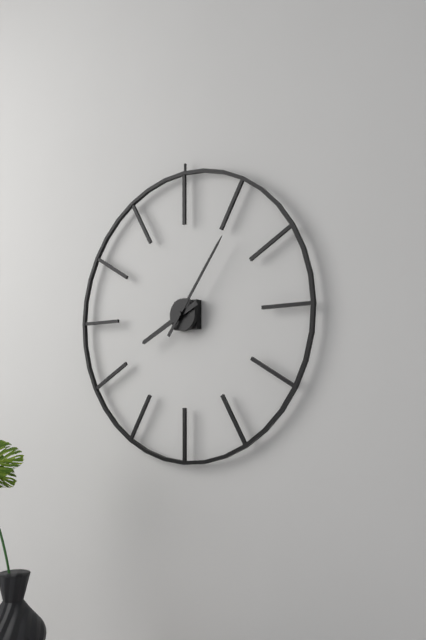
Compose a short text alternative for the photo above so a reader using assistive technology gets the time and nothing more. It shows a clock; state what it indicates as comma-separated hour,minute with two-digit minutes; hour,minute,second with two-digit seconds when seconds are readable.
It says 8,06
